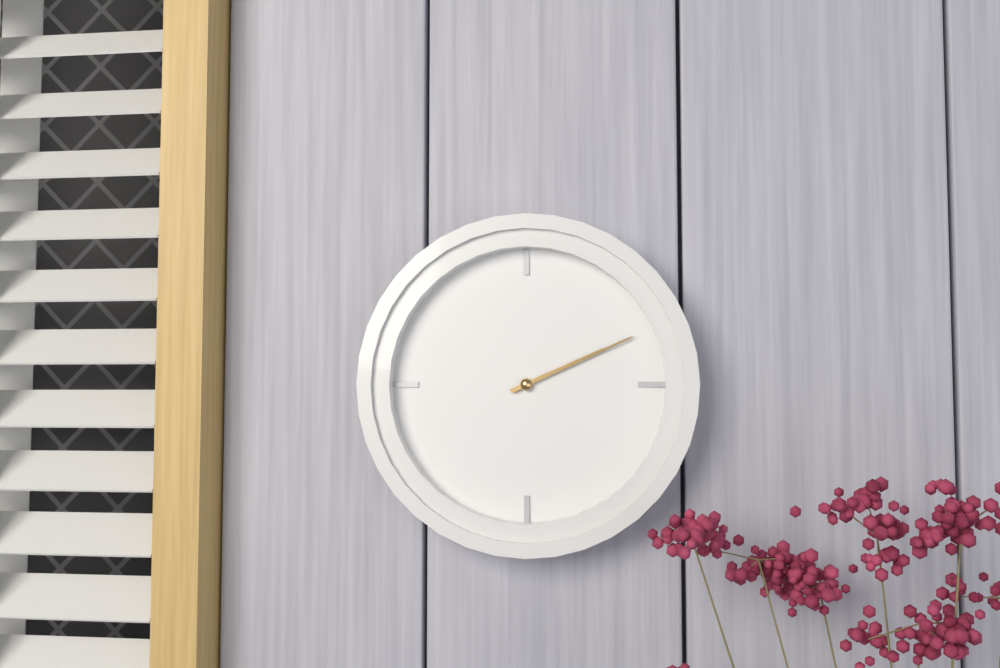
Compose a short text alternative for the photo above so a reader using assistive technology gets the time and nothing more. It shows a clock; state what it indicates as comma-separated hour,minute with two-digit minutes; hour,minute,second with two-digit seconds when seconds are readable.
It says 2,11
